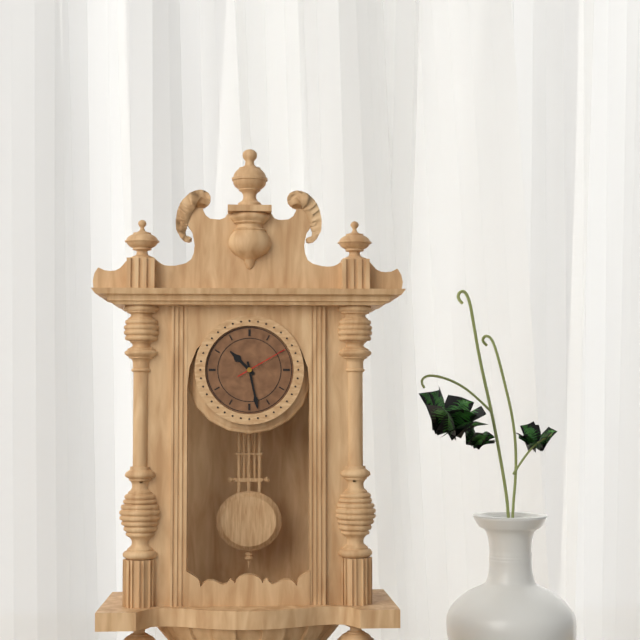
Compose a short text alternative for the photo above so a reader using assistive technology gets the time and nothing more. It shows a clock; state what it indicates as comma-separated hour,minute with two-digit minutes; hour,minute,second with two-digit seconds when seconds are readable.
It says 10,28,10
